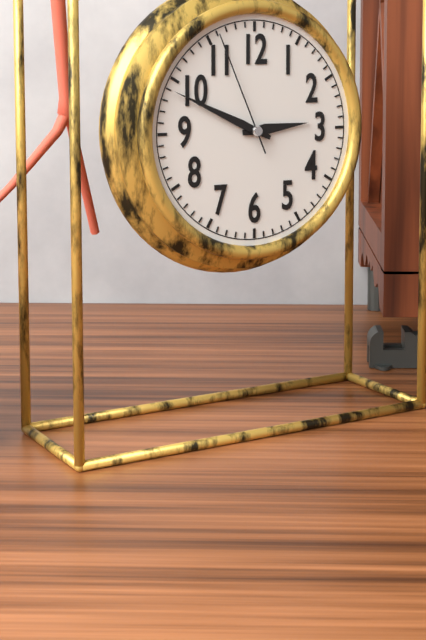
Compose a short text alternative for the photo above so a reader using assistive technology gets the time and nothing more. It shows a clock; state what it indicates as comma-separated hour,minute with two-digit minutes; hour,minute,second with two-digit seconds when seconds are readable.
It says 2,49,56
